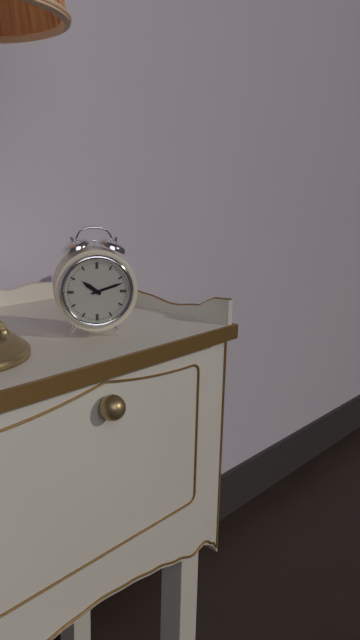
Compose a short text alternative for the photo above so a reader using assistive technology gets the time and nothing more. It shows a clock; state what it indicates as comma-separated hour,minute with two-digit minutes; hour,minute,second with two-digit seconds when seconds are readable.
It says 10,12
